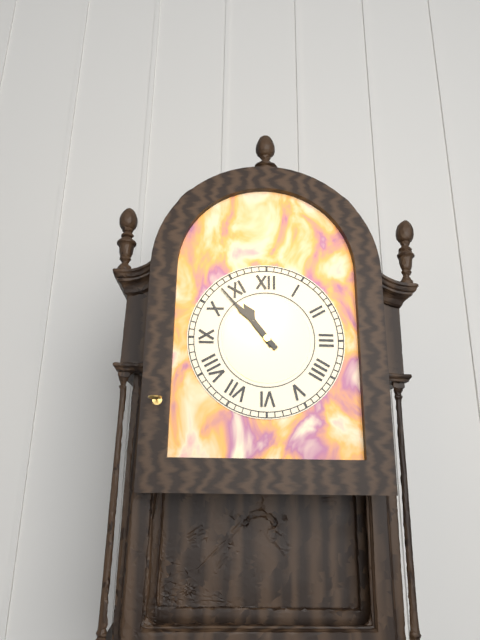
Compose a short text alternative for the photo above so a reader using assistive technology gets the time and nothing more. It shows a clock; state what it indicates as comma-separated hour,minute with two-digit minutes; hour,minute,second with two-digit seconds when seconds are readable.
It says 10,53
